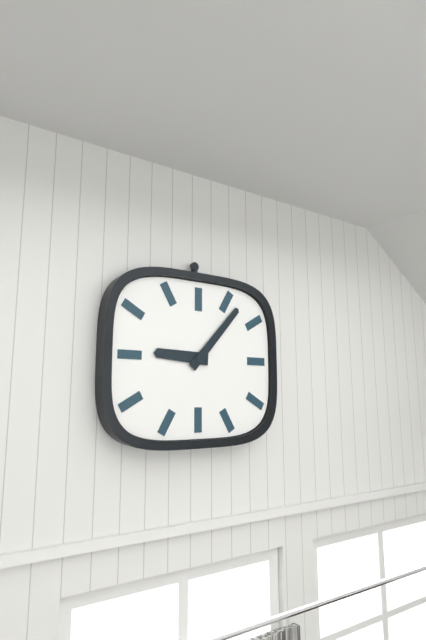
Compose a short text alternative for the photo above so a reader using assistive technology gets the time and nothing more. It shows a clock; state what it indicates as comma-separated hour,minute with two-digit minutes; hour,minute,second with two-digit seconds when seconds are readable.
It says 9,07
